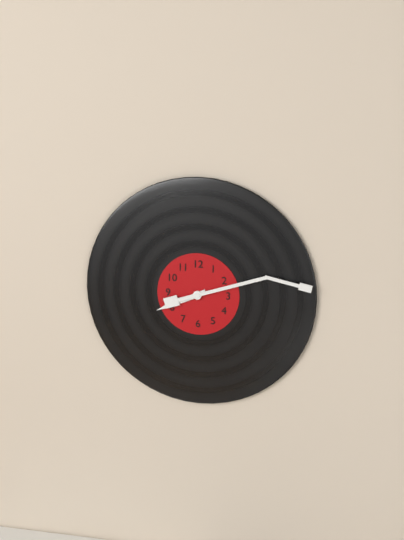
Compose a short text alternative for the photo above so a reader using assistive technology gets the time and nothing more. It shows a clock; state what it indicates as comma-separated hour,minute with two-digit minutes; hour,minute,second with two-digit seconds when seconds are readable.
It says 8,12
